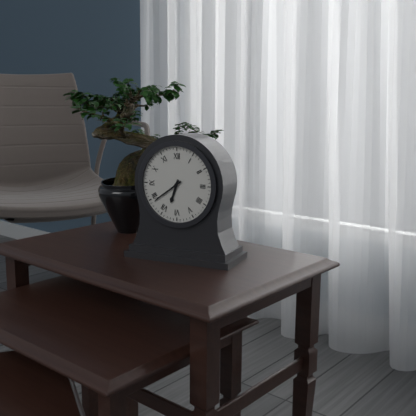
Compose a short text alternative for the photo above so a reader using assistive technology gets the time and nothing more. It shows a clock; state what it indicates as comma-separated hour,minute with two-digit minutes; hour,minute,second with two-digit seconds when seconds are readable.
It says 6,39
